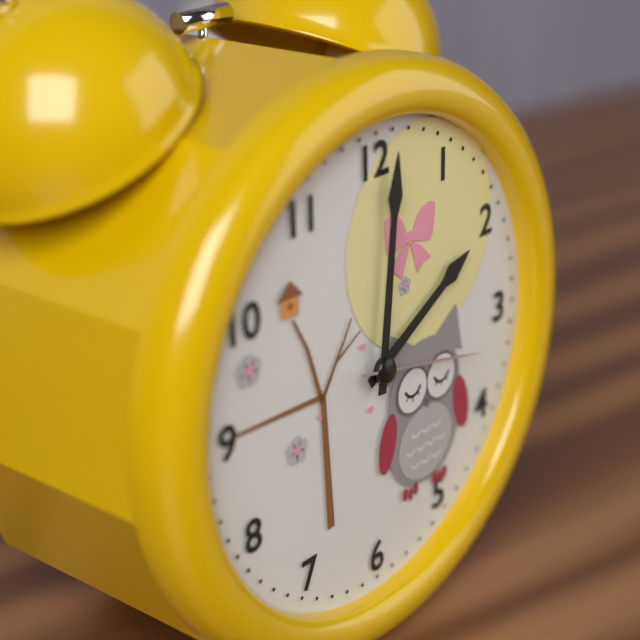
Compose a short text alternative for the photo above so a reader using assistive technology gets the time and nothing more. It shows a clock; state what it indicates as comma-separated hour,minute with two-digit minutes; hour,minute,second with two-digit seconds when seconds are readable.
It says 2,01,17
